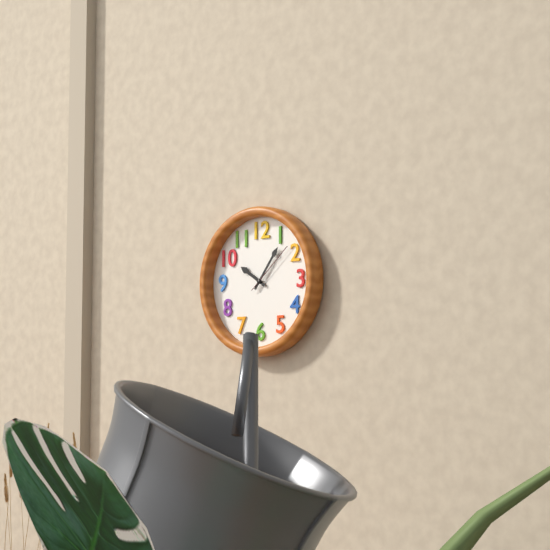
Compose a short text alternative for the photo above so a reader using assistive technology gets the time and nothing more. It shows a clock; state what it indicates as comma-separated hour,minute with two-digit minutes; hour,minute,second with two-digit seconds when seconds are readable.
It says 10,06,08
